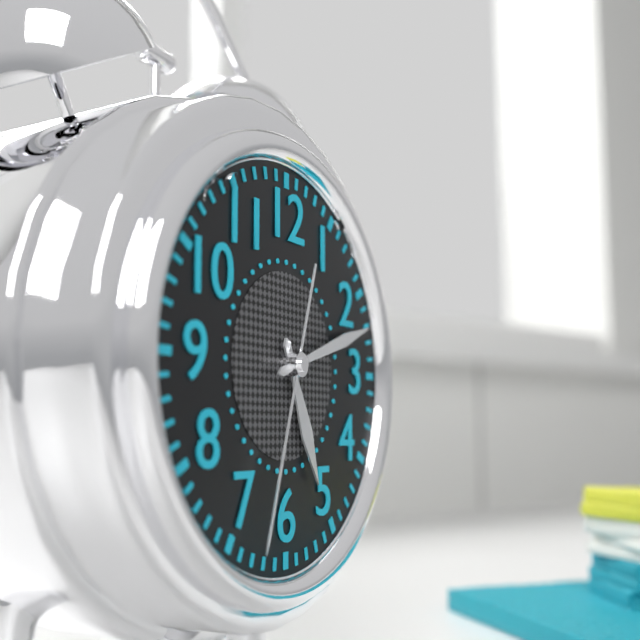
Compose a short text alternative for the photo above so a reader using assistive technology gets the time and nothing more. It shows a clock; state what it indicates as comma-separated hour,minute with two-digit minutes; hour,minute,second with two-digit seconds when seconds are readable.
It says 5,12,33
